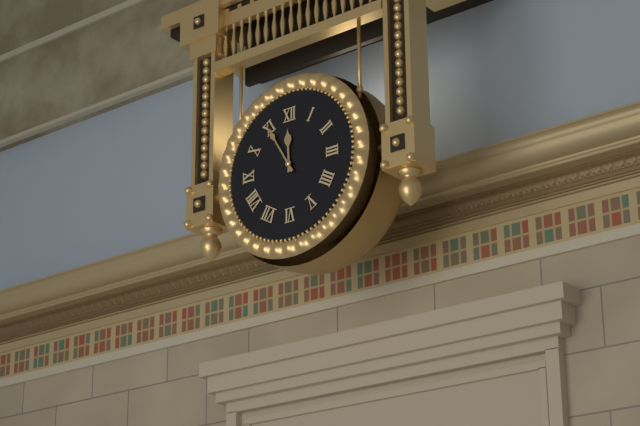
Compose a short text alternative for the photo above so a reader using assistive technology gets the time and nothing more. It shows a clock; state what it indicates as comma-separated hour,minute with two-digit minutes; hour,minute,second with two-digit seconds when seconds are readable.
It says 11,55
